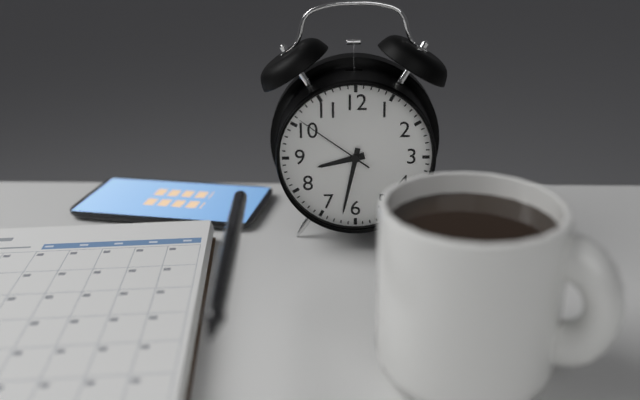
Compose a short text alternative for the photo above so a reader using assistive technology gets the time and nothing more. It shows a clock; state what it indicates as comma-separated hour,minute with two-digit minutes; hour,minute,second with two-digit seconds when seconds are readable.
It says 8,32,51
